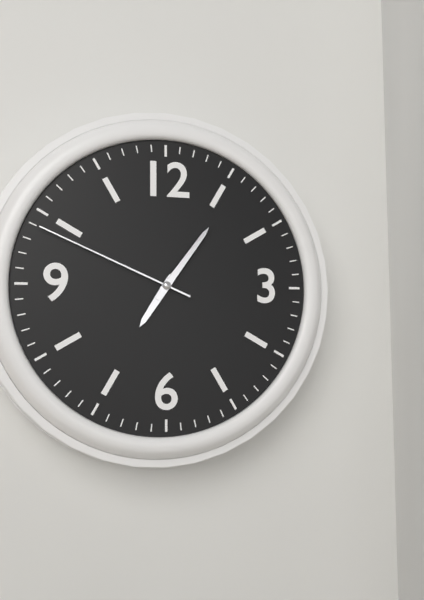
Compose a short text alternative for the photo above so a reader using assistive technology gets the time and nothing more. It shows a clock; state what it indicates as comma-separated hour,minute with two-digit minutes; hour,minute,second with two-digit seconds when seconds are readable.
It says 7,06,49
